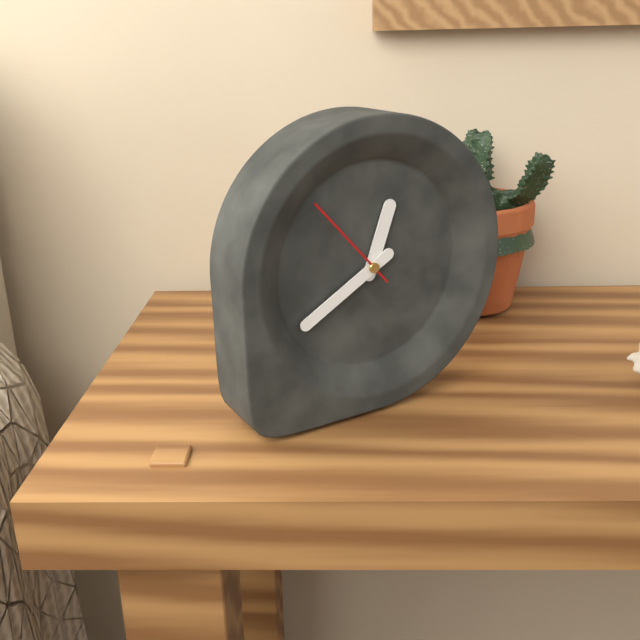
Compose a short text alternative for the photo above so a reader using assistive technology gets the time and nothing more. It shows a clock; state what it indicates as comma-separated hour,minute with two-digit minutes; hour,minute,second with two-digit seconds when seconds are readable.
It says 12,40,53
